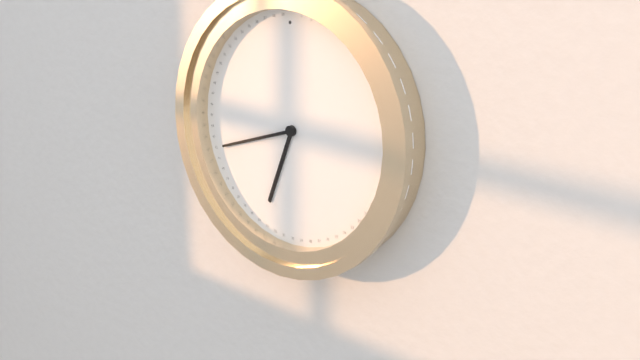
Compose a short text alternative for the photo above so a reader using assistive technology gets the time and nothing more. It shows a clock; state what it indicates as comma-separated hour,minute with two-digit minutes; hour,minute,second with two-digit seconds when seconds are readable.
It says 6,42
